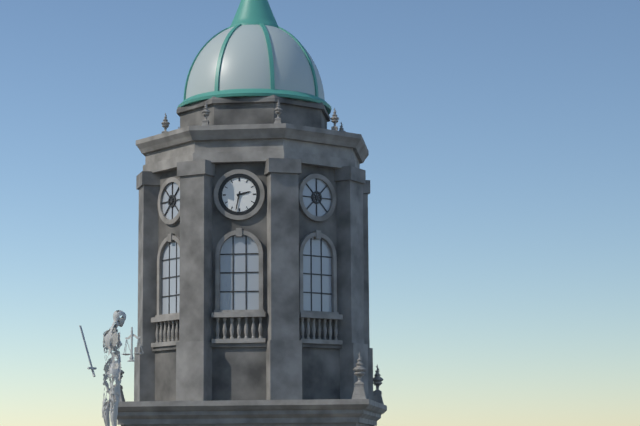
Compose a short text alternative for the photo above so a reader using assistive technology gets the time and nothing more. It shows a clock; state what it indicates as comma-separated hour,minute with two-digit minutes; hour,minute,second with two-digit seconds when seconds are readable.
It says 2,32
